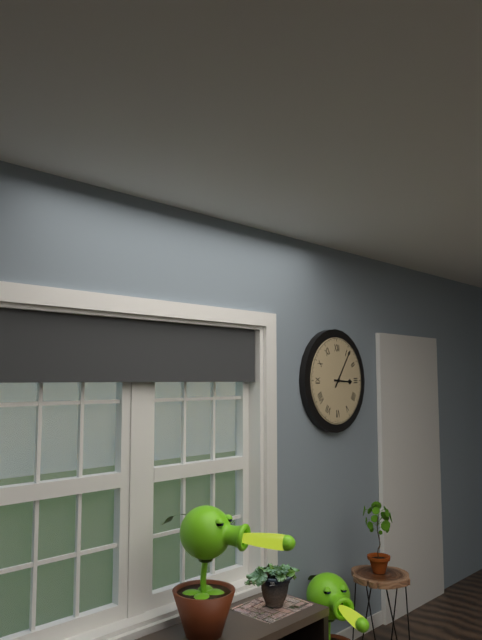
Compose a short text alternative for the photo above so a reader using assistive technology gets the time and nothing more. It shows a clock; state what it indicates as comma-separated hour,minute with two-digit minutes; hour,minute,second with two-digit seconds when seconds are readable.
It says 3,06
